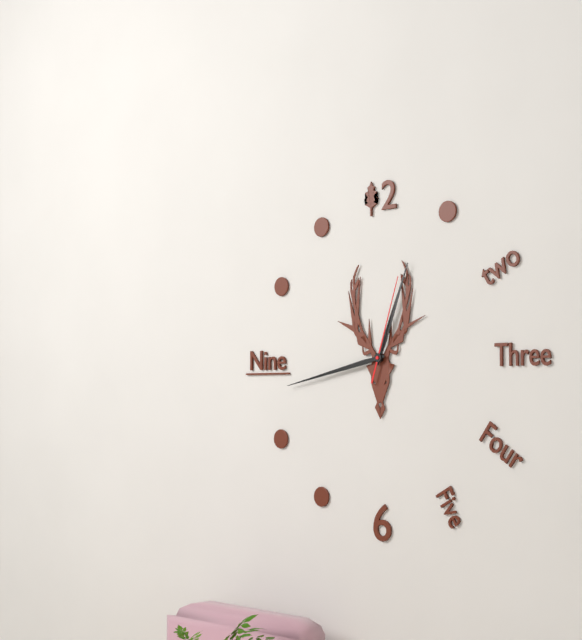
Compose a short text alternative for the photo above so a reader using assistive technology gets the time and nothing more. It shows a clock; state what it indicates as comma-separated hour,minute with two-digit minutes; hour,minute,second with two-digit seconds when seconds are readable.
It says 12,43,03
